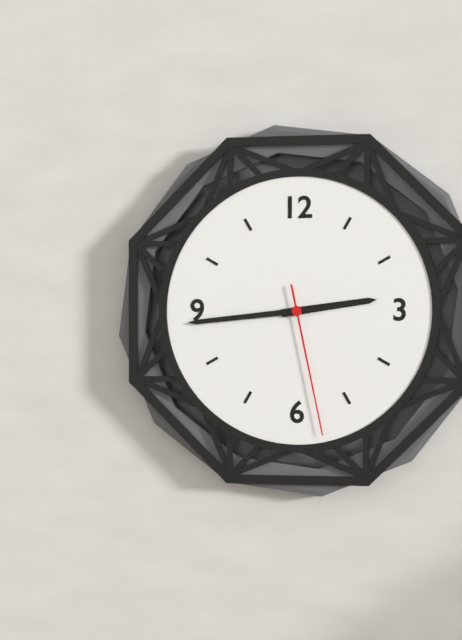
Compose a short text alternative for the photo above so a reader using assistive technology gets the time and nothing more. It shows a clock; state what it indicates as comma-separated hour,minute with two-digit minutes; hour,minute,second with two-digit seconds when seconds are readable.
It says 2,44,28
